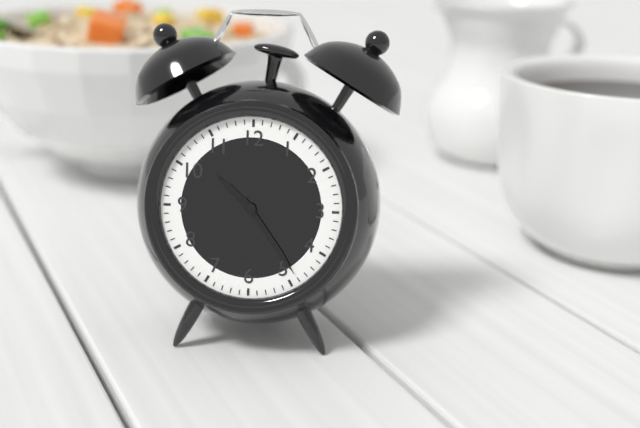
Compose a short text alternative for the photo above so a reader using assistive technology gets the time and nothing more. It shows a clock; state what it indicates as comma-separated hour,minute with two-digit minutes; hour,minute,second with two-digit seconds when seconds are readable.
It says 10,24
